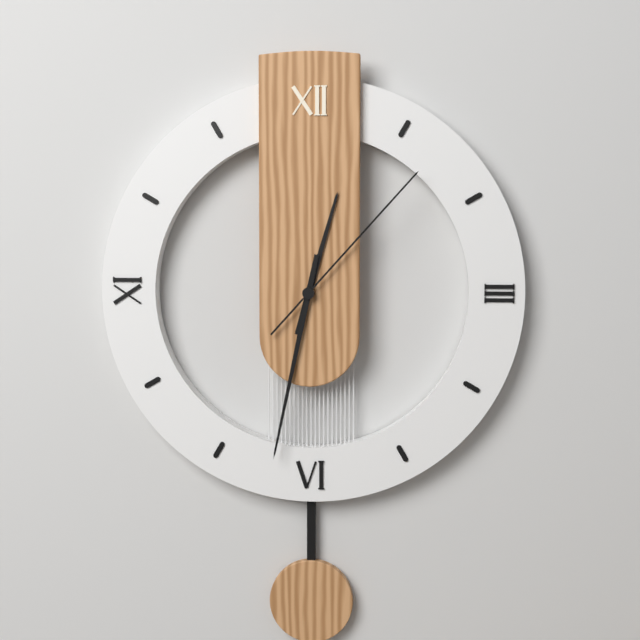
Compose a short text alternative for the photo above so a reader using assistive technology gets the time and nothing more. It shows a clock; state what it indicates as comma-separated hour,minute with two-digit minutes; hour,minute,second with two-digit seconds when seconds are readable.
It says 12,32,07
